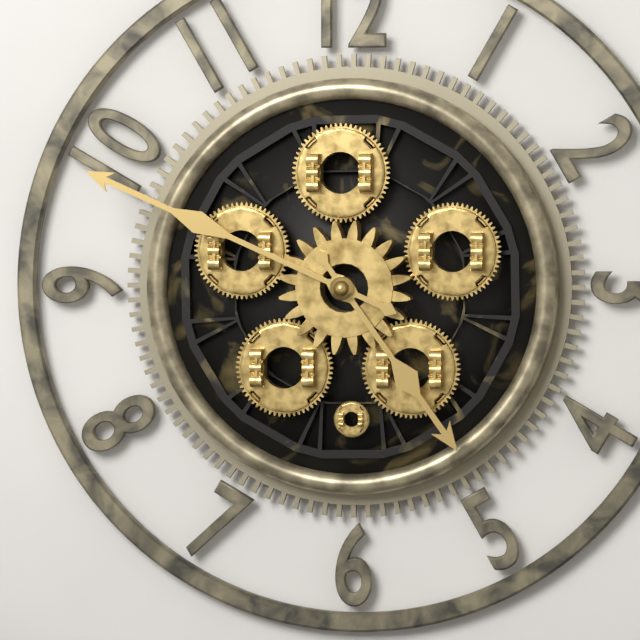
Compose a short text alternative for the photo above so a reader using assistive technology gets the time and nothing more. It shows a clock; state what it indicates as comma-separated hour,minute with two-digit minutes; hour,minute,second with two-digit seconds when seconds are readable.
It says 4,49
